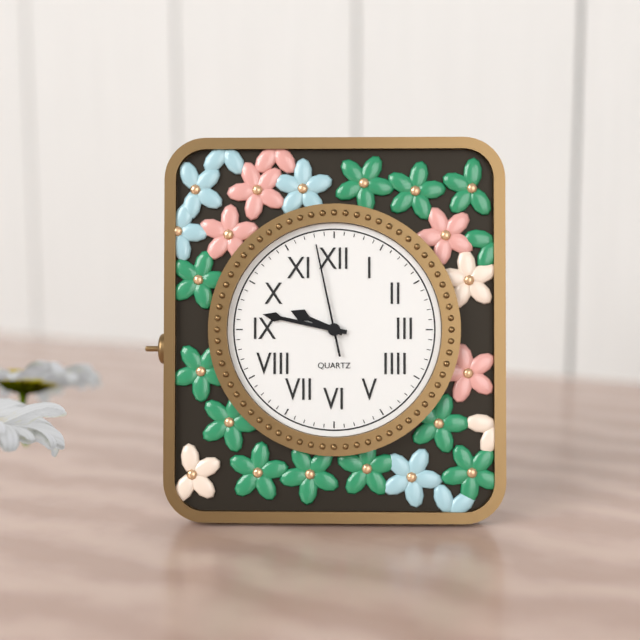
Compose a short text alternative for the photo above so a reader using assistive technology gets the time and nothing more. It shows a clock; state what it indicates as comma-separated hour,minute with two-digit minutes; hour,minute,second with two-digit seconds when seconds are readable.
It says 9,47,58
